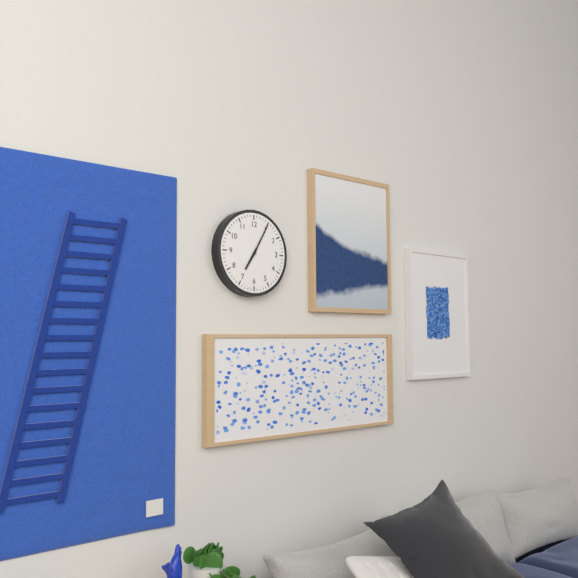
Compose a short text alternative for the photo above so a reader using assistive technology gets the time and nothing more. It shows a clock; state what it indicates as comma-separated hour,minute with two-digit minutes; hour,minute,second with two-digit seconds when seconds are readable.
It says 7,05
